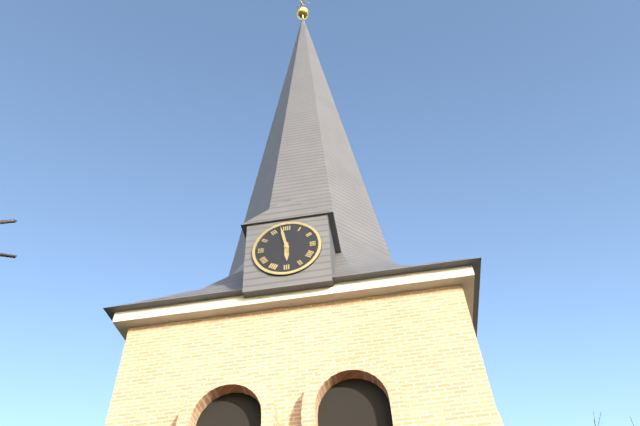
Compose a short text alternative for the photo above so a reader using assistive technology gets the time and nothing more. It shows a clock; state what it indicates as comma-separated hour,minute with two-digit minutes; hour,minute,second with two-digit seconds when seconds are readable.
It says 5,58
